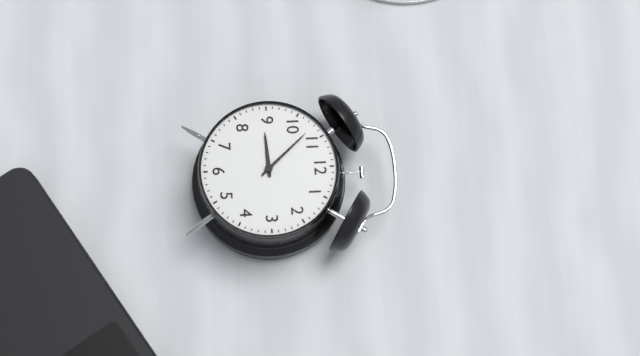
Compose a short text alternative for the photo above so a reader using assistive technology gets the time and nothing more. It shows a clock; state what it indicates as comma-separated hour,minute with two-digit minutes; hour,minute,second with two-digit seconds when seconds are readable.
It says 8,53
